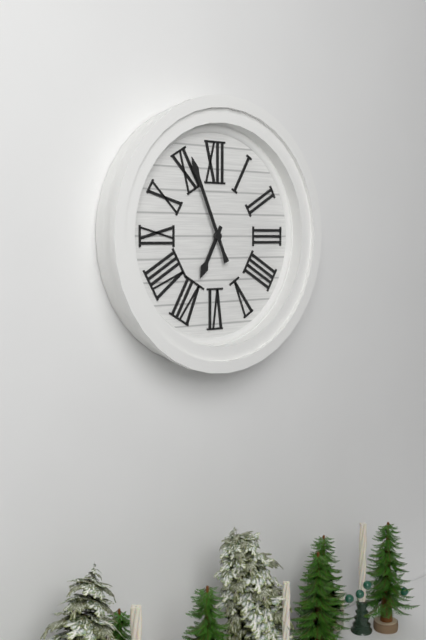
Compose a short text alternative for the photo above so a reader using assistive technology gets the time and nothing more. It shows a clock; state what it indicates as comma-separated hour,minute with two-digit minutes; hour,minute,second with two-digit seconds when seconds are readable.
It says 6,56
